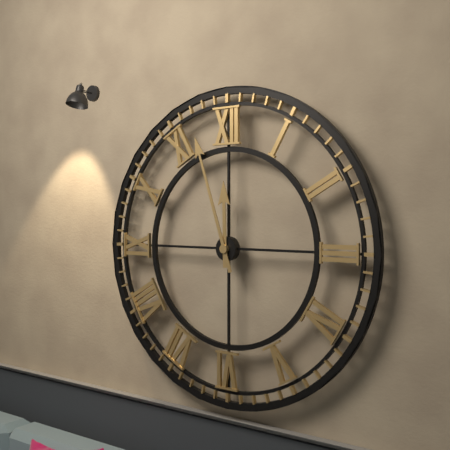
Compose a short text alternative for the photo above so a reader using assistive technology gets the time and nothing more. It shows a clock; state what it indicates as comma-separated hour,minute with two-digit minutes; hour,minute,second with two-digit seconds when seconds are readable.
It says 11,57
